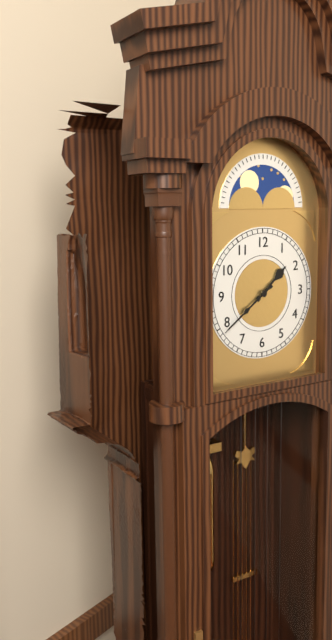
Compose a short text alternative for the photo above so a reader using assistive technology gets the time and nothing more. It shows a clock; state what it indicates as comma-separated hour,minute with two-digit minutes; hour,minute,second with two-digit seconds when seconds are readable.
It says 1,39
